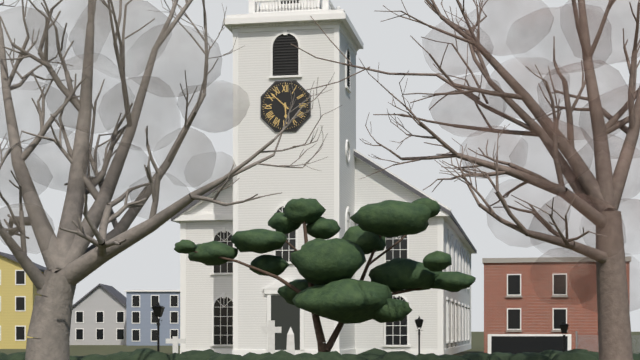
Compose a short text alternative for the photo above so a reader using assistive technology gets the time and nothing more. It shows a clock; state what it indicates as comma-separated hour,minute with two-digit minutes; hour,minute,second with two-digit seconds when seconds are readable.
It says 5,52
